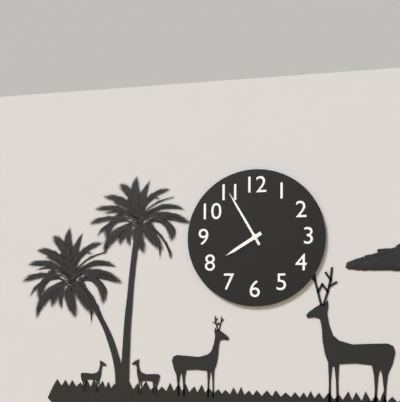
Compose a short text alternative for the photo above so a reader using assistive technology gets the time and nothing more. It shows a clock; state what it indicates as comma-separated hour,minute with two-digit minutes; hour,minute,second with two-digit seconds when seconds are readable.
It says 7,55
